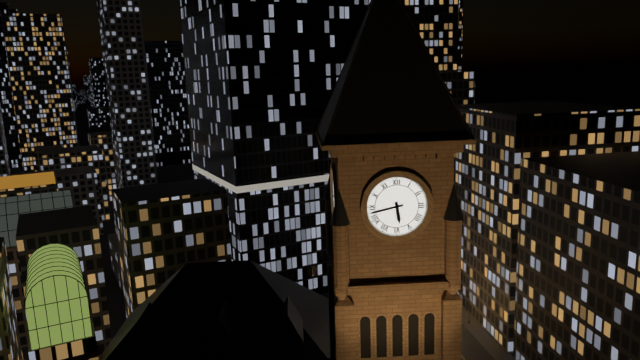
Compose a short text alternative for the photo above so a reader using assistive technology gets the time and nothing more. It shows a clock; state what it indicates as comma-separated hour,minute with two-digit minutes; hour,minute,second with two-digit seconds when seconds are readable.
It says 5,43
